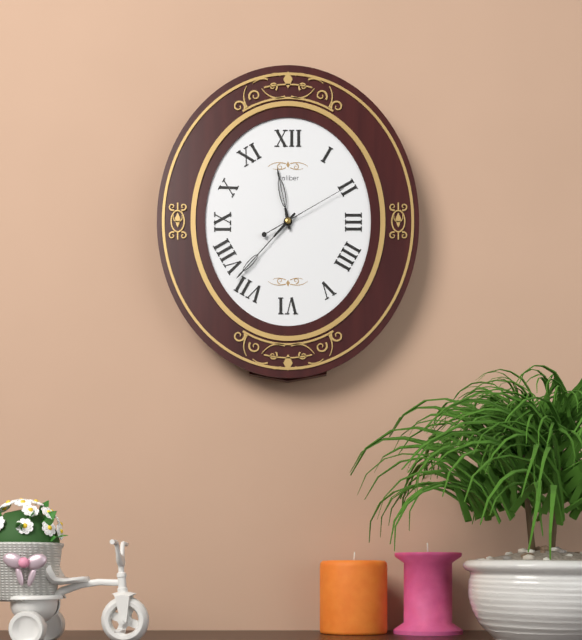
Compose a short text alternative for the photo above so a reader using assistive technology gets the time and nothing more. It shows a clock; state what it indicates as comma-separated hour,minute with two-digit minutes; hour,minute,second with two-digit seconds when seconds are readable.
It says 11,37,10
